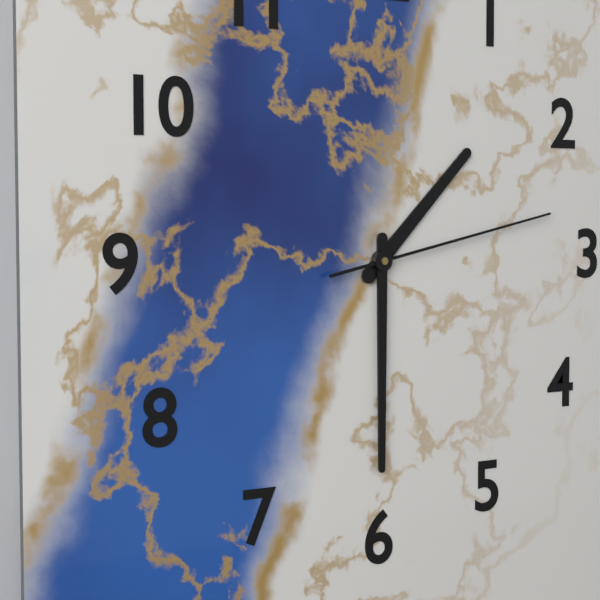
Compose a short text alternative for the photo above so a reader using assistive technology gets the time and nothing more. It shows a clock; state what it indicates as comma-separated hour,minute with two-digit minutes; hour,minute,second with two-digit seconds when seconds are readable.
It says 1,30,13
